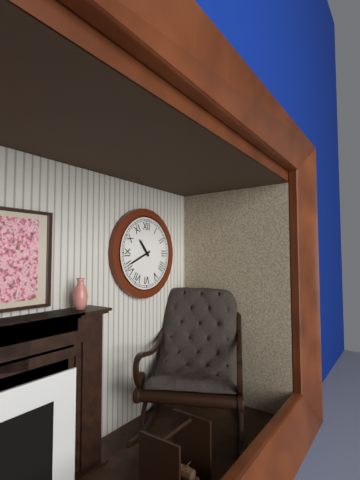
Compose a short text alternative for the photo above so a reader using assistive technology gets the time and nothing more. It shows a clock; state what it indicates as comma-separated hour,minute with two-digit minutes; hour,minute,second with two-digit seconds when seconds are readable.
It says 10,41
